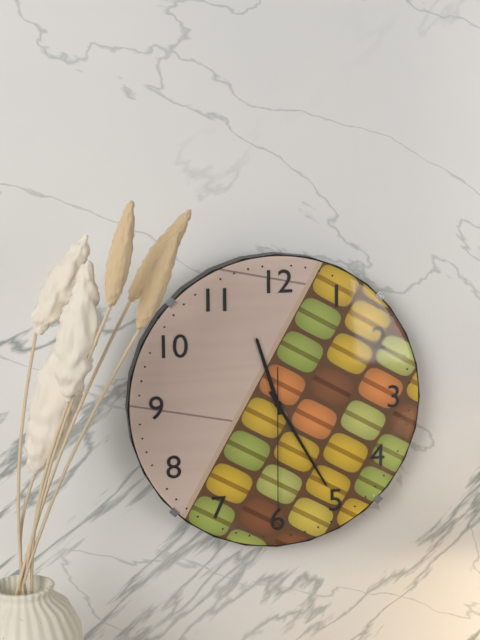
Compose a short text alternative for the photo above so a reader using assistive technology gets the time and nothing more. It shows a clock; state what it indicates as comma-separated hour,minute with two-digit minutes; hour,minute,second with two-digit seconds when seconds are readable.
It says 11,25,30
